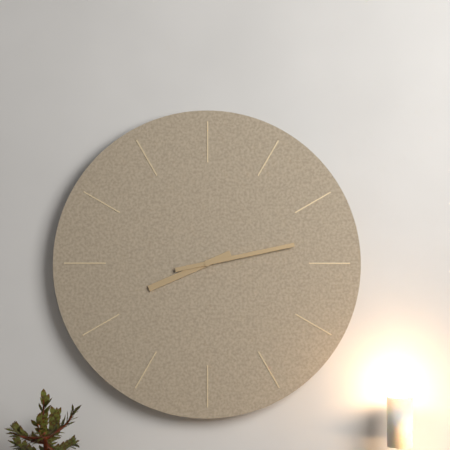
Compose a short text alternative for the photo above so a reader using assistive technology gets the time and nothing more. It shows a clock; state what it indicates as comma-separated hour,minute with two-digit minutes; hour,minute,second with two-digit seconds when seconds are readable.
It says 8,13
